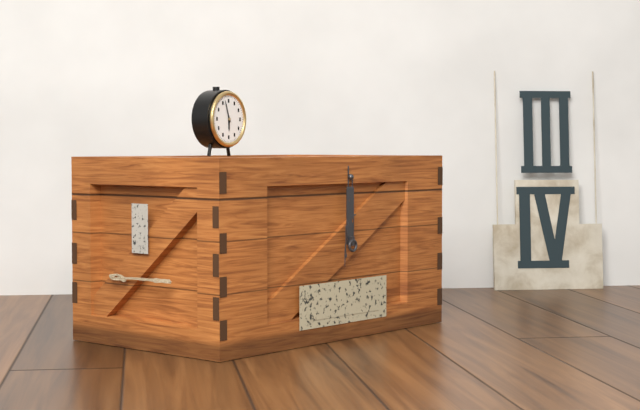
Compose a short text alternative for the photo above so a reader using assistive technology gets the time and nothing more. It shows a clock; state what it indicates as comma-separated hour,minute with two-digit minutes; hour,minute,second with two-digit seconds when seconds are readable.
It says 5,57
